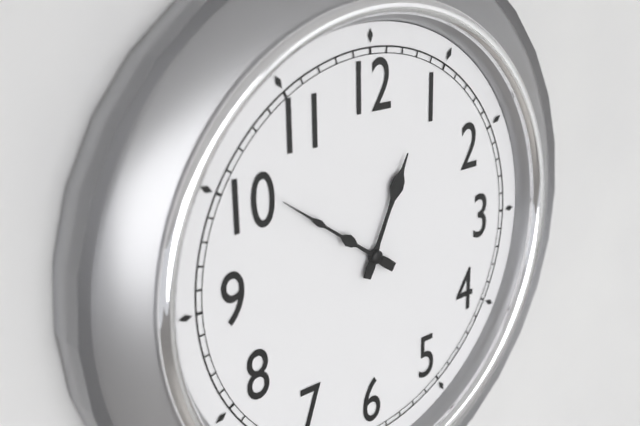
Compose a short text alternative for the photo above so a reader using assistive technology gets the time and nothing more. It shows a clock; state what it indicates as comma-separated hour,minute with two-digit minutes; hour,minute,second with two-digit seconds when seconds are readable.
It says 12,51
